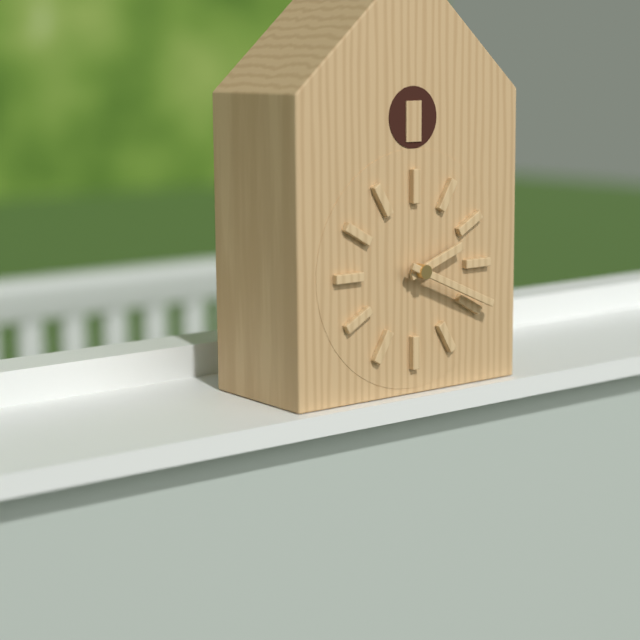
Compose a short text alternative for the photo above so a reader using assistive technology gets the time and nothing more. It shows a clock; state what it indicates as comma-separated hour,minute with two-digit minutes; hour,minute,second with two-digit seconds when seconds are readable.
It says 2,19
